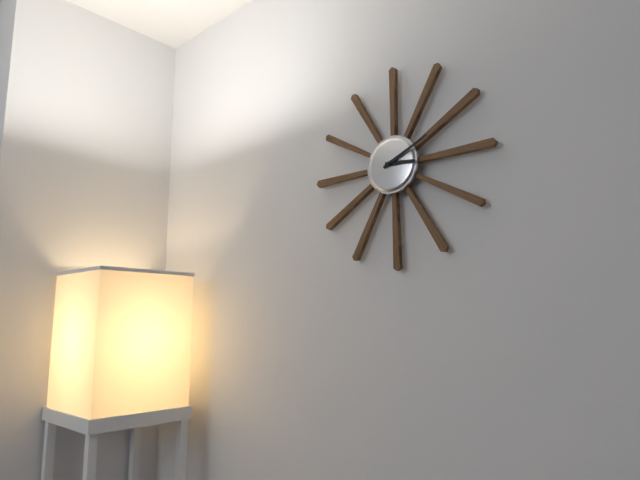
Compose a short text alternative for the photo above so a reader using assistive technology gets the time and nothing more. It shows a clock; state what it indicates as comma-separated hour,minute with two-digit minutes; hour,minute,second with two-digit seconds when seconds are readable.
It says 3,11
